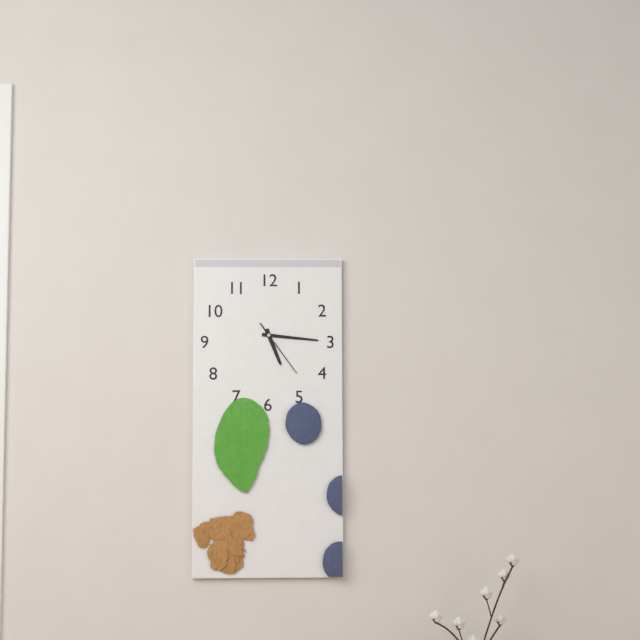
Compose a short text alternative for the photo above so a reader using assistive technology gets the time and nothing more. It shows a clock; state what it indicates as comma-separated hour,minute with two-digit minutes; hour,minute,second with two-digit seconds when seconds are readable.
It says 5,16,24
